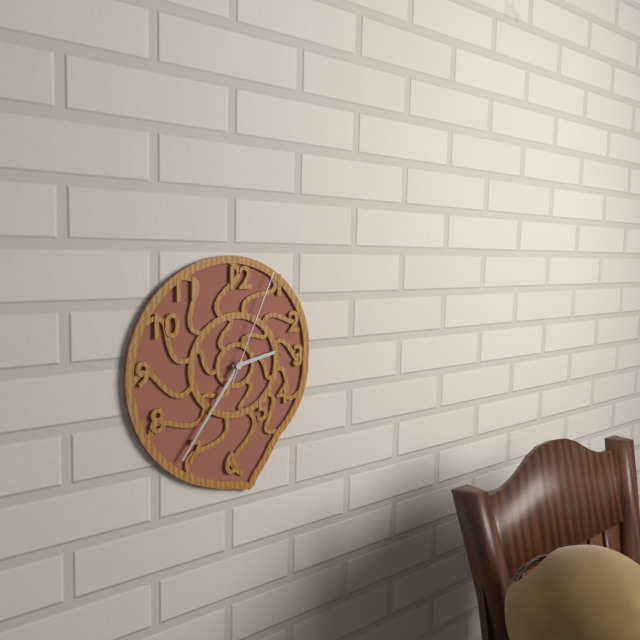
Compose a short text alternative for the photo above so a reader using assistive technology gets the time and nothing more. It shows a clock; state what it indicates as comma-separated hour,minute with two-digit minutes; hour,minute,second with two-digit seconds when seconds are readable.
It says 2,36,04
